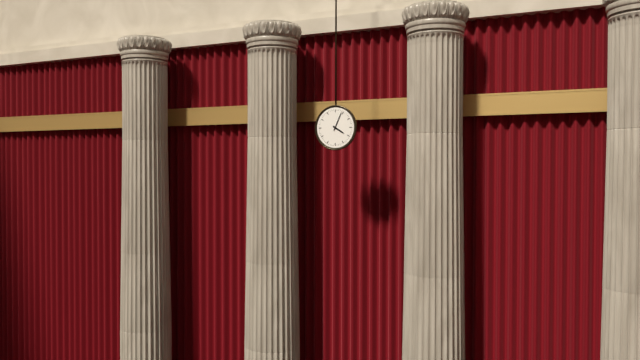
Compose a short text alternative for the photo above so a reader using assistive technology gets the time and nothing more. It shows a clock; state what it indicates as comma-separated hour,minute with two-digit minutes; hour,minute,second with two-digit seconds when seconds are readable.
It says 4,04
